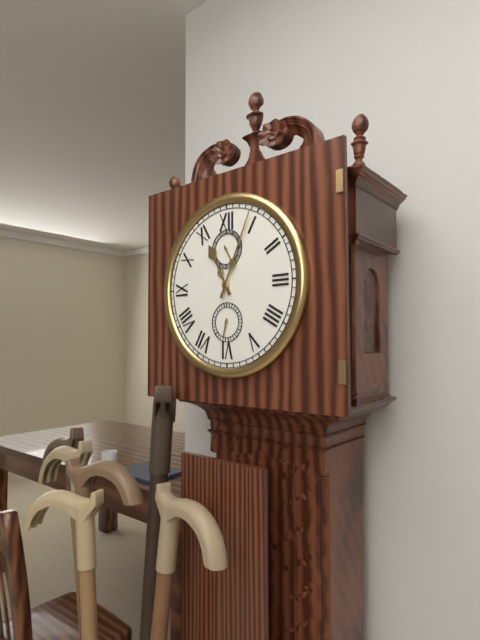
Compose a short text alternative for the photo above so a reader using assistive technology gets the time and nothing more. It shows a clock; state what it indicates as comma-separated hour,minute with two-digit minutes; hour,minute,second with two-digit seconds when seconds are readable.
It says 11,04
